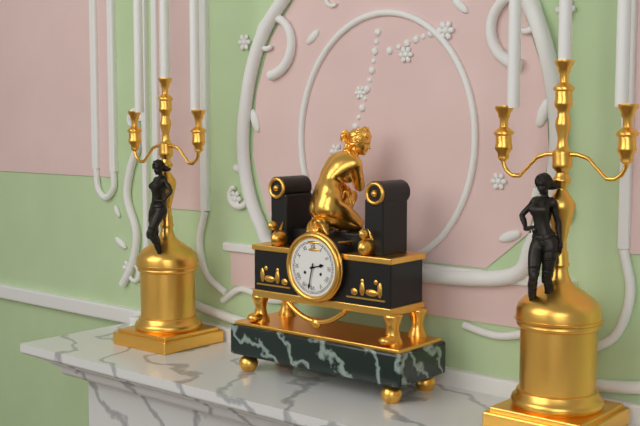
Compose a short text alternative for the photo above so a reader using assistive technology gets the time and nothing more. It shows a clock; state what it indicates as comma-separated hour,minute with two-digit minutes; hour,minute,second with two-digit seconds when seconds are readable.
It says 2,32
